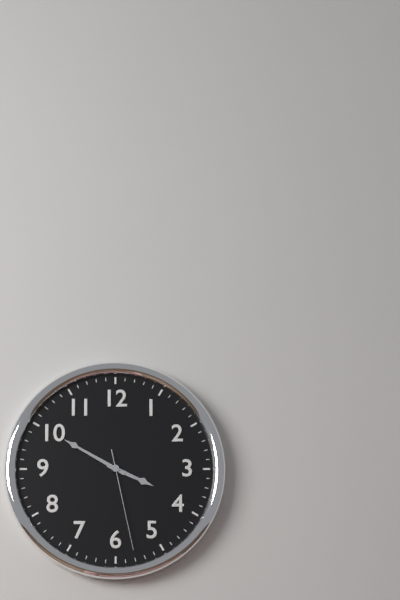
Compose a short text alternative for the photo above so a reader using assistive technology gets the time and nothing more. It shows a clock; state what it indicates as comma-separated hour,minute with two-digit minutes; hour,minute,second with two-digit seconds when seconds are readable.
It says 3,50,28
